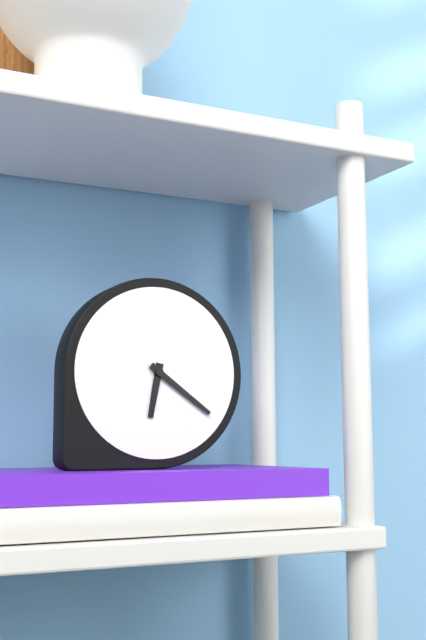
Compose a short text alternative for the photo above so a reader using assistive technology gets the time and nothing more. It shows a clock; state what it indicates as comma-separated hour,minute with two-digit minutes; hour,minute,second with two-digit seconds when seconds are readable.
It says 6,21
